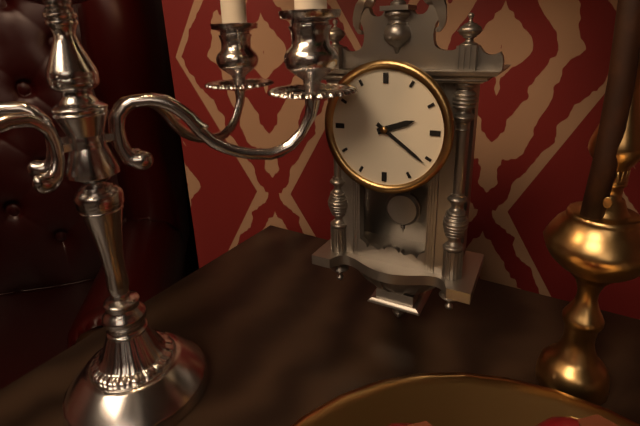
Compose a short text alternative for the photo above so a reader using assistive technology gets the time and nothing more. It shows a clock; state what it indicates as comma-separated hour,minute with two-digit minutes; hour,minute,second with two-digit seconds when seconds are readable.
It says 2,21
